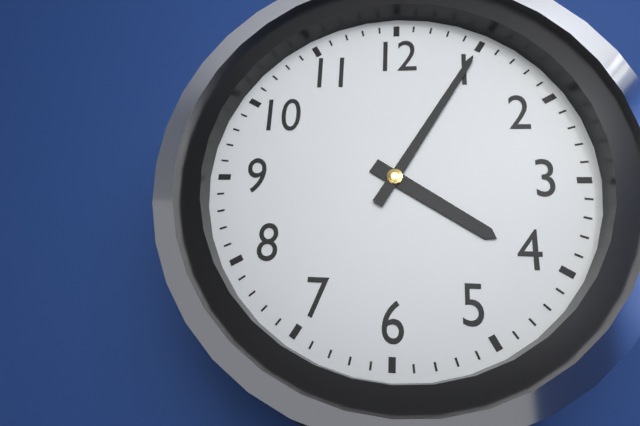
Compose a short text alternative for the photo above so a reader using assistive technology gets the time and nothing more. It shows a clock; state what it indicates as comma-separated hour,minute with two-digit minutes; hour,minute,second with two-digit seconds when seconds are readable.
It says 4,05
